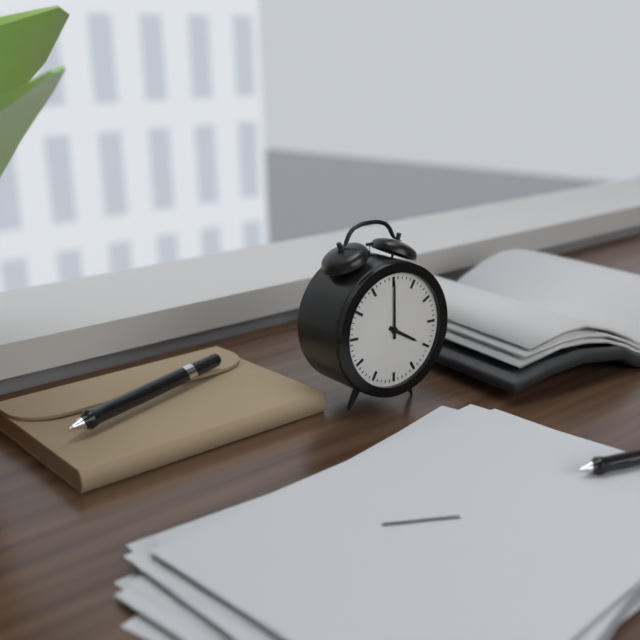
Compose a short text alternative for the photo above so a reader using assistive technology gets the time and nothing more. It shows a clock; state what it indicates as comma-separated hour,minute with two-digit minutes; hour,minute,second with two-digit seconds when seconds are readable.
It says 4,00
